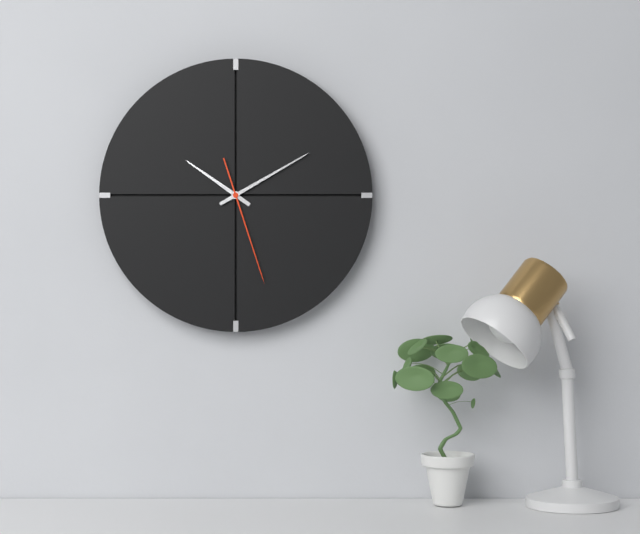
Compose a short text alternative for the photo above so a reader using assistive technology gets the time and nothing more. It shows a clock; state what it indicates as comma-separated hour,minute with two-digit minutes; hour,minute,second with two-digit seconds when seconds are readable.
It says 10,10,27
